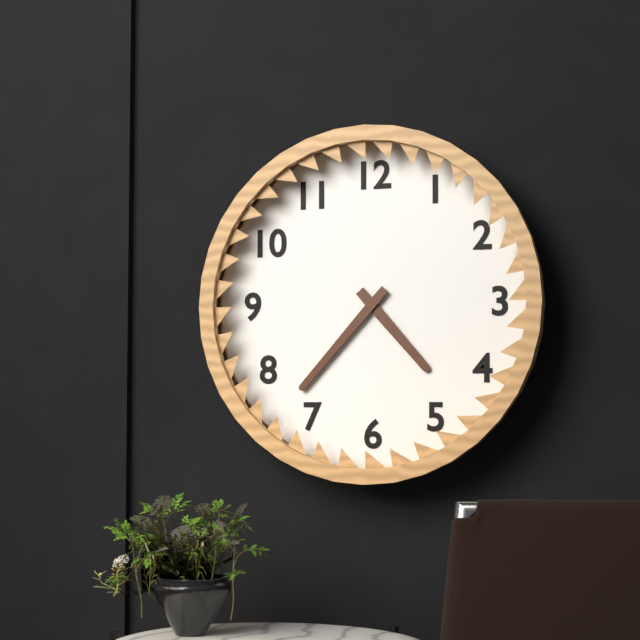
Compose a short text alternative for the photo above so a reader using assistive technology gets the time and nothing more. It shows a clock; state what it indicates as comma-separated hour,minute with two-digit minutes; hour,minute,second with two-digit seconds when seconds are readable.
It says 4,37
